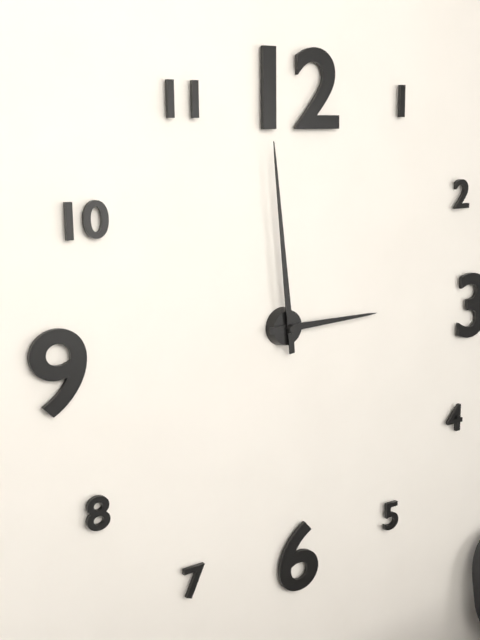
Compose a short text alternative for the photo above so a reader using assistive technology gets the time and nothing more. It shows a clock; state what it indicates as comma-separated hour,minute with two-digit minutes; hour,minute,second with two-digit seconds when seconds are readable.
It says 2,59
